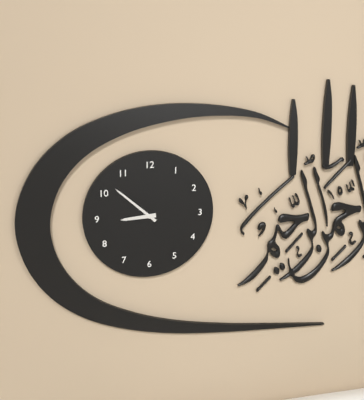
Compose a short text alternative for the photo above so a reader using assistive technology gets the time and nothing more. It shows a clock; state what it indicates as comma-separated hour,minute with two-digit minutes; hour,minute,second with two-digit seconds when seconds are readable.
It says 8,52
